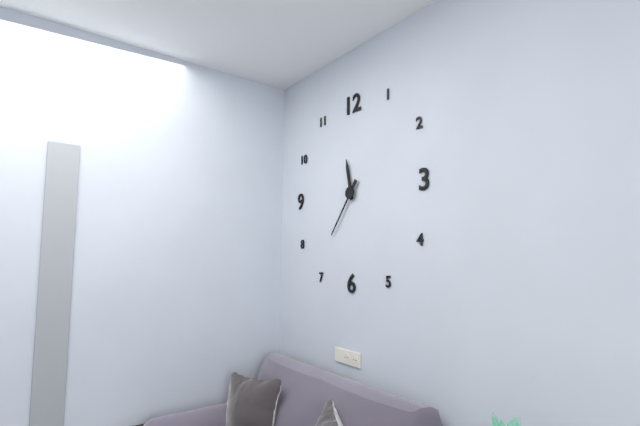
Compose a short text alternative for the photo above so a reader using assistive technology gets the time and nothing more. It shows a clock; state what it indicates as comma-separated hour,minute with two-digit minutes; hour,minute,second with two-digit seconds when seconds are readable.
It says 11,36
